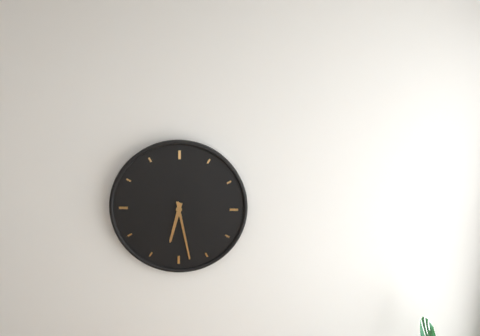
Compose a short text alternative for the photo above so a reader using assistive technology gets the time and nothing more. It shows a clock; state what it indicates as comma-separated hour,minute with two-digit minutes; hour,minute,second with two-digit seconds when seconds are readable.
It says 6,28
